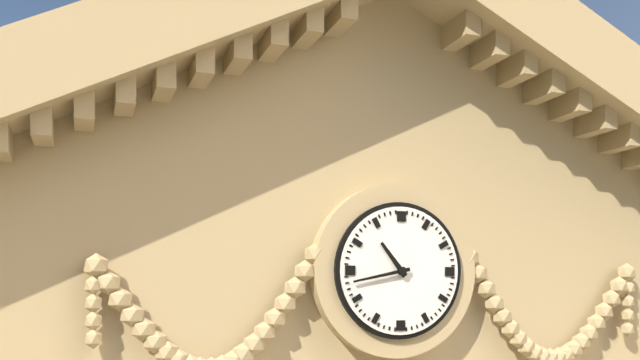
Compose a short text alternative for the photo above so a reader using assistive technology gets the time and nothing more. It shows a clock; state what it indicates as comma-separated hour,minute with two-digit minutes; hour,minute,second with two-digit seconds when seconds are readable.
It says 10,43
